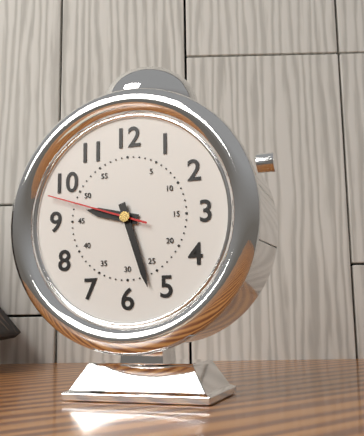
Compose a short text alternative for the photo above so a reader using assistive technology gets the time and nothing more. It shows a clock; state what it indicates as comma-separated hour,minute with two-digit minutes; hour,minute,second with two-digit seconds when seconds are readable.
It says 9,27,48
